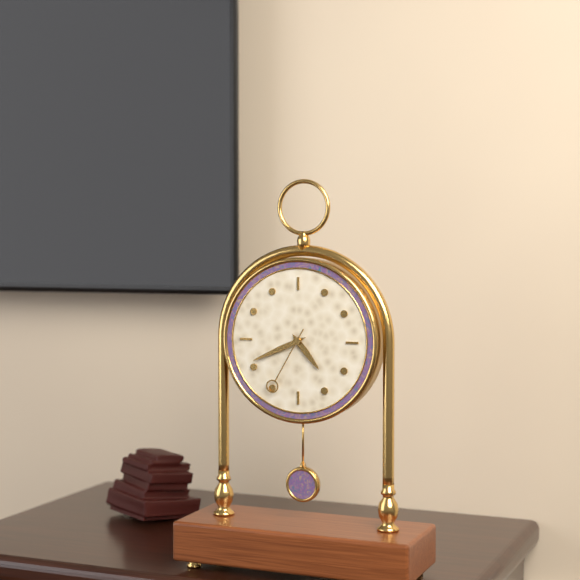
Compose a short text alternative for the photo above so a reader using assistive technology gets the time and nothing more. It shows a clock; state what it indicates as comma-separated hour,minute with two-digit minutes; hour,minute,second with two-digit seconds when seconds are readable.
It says 4,41,35
